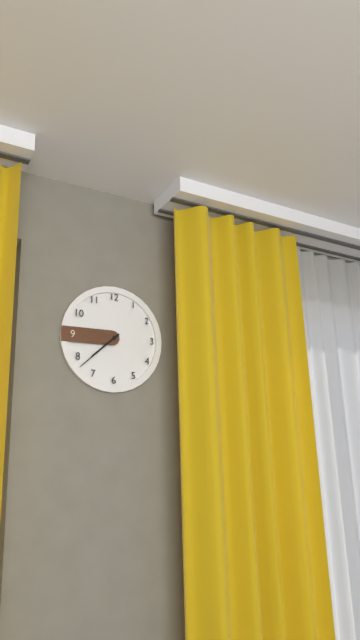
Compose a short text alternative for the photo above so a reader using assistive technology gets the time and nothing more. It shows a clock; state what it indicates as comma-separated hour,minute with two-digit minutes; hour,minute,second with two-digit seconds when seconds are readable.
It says 7,38
